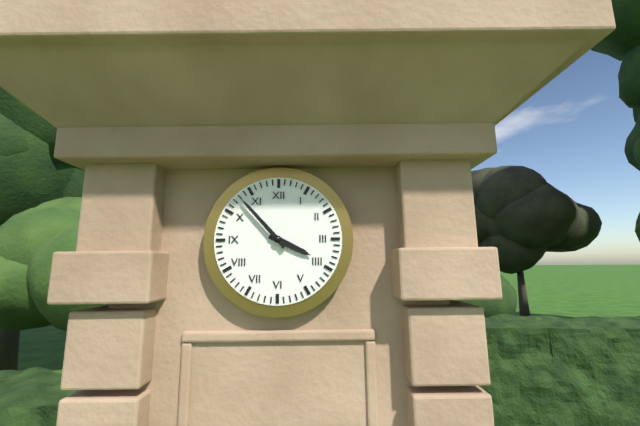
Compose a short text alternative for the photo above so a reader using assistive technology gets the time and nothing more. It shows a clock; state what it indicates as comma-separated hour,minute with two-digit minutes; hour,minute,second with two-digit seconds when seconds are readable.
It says 3,53
